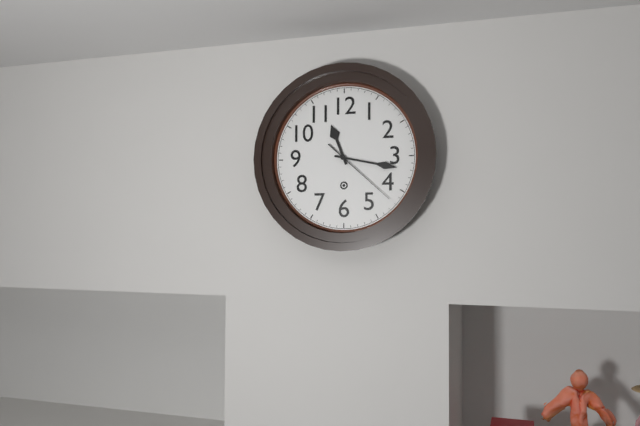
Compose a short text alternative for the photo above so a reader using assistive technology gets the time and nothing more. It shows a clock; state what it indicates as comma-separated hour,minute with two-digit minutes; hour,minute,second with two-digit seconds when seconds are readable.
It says 11,17,22
